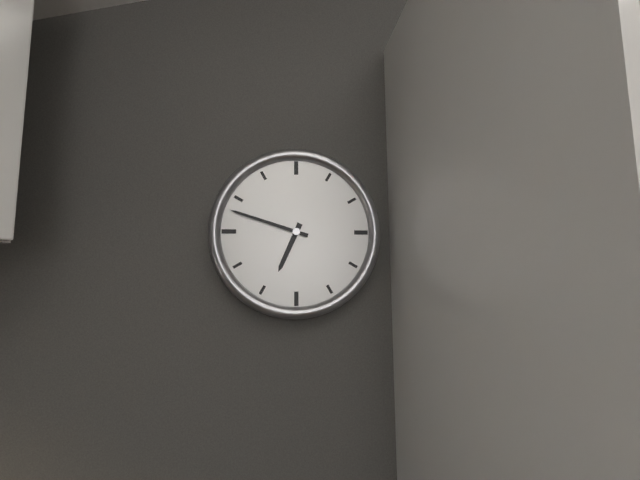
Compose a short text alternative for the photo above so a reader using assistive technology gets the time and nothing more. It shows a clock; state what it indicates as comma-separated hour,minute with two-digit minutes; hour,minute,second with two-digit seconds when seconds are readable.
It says 6,48
